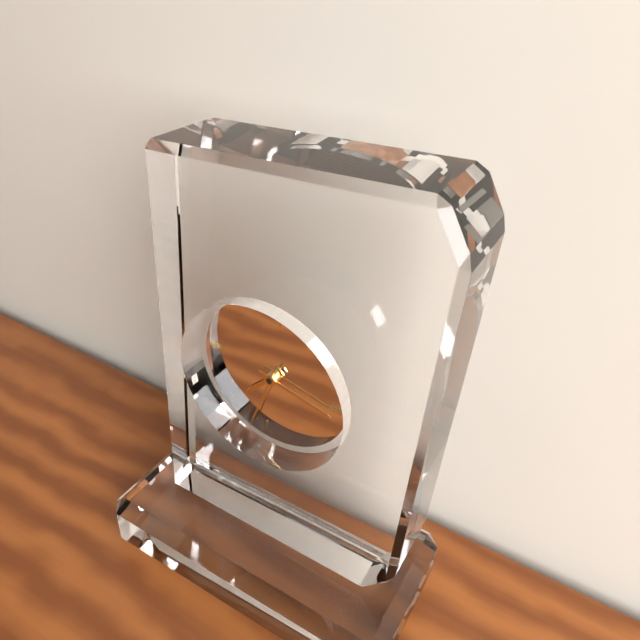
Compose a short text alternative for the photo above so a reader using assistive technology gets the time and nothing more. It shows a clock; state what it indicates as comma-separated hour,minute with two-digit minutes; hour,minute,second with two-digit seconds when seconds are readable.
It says 7,16,32
